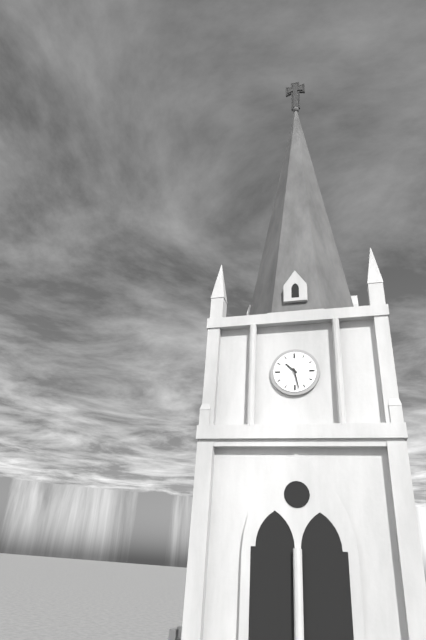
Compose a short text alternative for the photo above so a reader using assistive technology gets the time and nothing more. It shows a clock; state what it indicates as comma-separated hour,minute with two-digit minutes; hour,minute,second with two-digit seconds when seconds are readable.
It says 10,28
